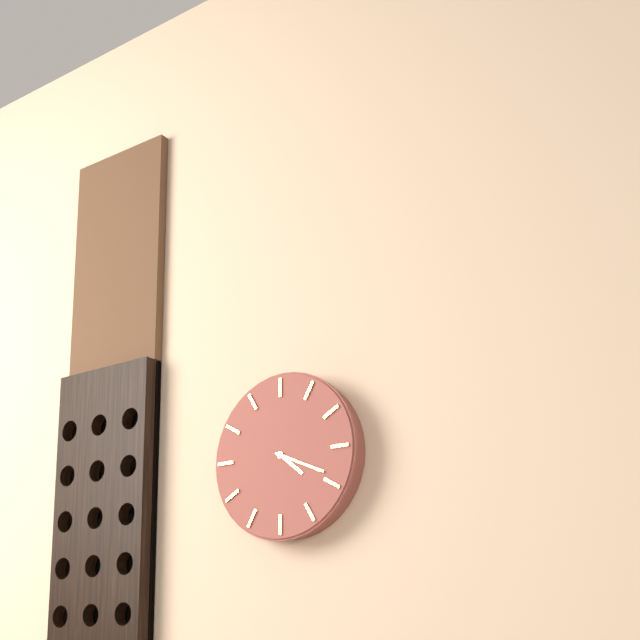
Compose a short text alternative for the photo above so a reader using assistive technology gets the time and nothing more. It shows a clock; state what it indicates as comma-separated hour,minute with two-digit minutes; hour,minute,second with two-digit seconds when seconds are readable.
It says 4,19
